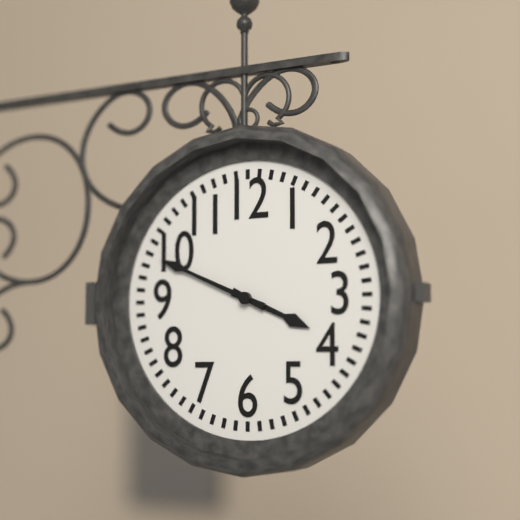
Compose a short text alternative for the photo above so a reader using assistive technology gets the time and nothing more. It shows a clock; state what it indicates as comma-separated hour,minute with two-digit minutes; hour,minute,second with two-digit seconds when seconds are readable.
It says 3,49
